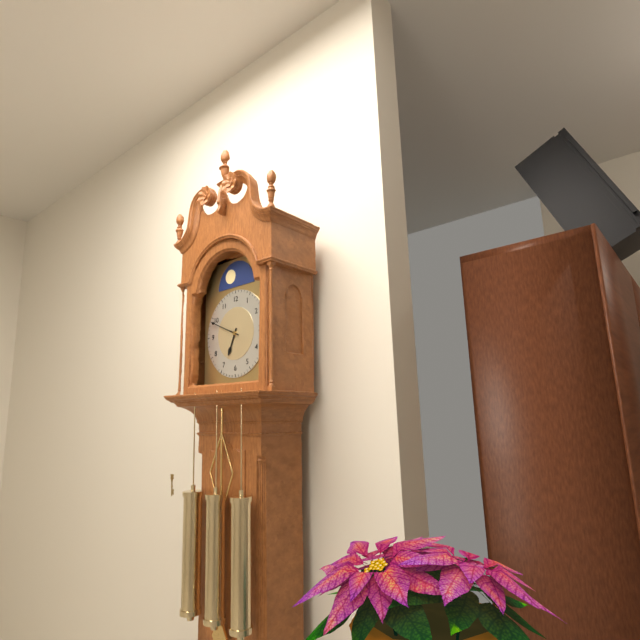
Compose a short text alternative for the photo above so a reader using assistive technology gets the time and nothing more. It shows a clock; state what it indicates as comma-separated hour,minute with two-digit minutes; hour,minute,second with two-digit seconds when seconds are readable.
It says 6,49
